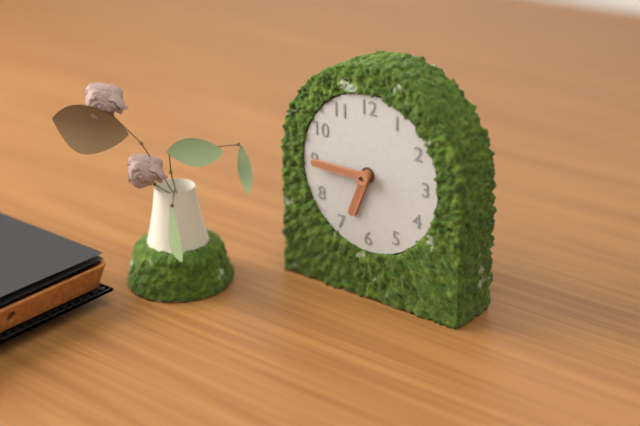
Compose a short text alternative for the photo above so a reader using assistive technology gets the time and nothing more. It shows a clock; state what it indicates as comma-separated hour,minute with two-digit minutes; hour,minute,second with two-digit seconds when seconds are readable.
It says 6,45
